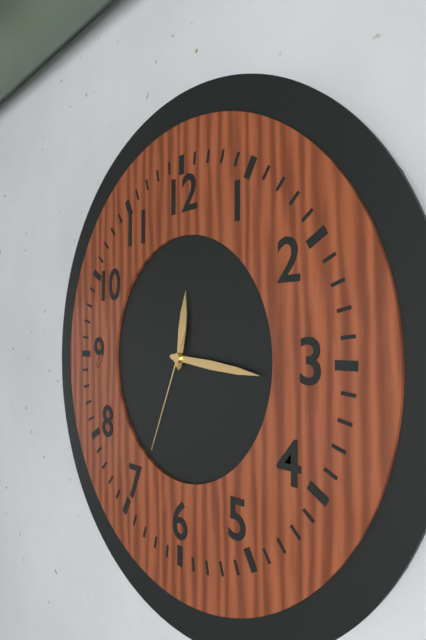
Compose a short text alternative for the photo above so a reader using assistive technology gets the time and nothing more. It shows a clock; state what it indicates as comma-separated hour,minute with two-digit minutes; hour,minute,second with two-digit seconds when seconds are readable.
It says 12,16,34
